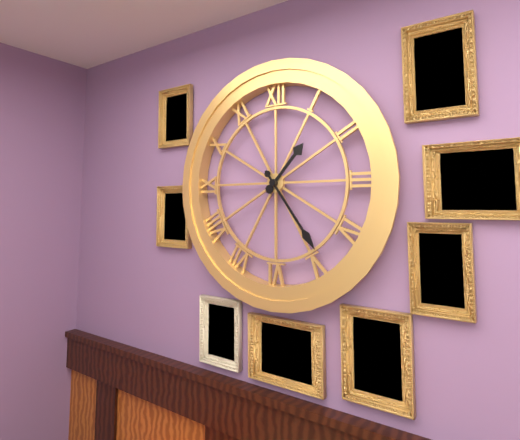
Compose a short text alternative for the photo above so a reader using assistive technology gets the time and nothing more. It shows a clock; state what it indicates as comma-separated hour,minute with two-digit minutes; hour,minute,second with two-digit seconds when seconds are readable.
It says 1,24
